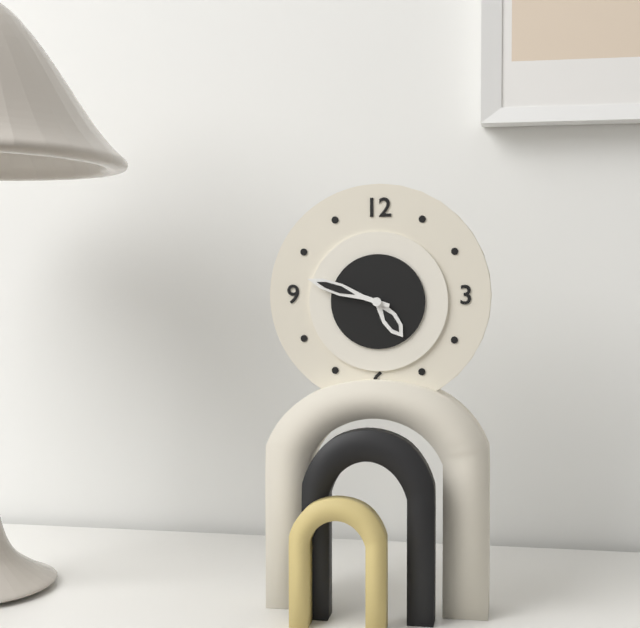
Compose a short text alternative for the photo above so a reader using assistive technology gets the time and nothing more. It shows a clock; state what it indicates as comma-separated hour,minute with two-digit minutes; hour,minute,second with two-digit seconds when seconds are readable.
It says 4,48
